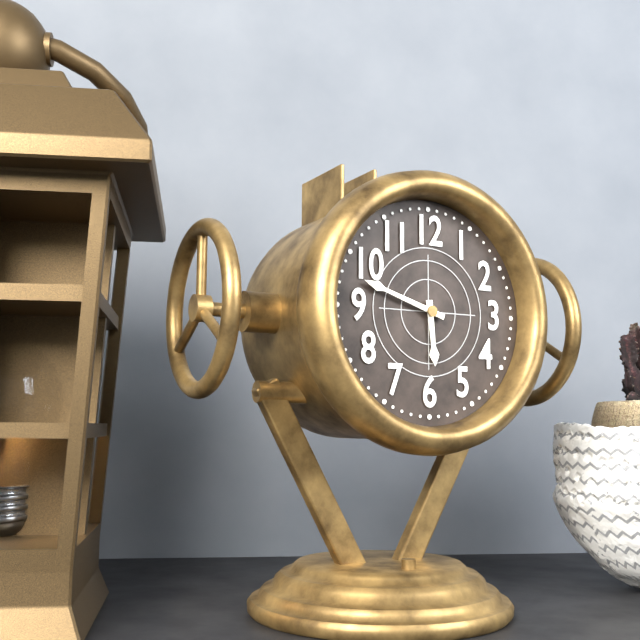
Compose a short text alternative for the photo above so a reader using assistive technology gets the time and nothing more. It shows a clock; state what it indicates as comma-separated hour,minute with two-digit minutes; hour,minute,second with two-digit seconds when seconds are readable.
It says 5,48
